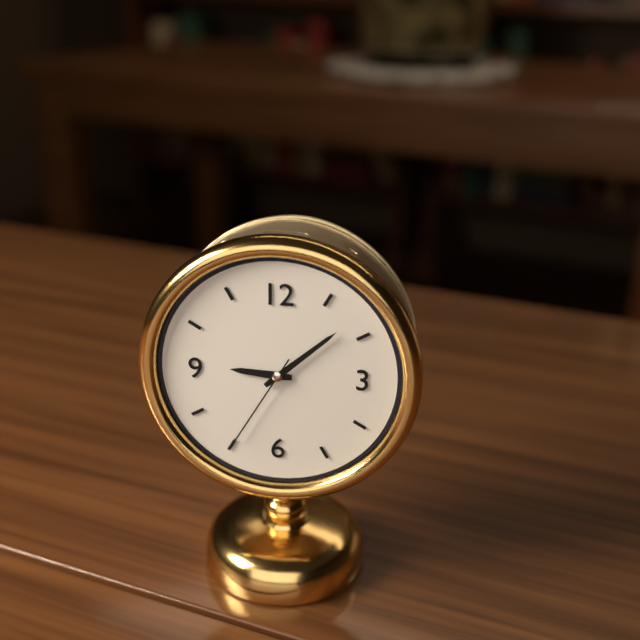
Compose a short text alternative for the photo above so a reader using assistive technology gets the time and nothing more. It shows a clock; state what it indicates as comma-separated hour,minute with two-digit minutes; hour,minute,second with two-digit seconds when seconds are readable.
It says 9,08,35
